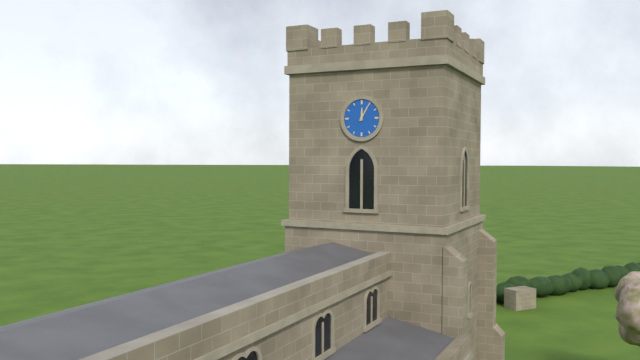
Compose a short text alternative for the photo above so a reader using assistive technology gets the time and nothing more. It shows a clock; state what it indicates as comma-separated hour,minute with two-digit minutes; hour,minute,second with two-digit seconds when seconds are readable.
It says 12,05
